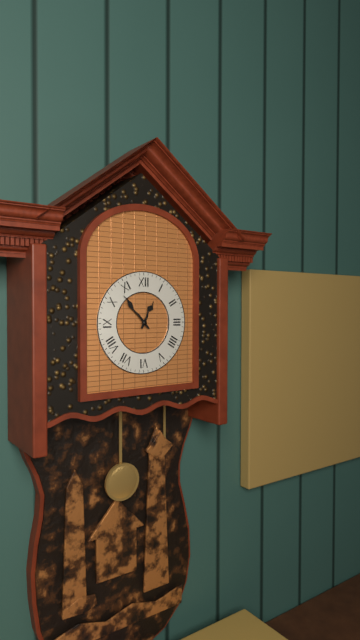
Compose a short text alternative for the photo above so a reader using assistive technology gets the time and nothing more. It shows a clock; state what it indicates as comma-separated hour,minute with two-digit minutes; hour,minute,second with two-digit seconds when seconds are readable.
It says 12,53
